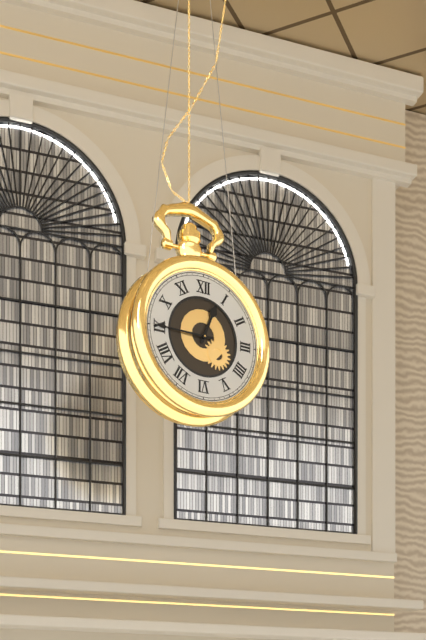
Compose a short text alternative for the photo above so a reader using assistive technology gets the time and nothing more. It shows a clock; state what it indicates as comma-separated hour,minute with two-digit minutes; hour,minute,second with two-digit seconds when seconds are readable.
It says 12,45
